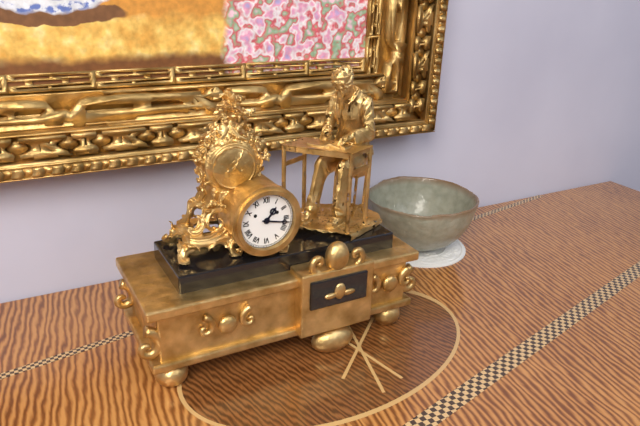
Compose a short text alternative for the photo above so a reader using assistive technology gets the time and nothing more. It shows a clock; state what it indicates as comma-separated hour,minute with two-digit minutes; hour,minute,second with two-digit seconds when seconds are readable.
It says 1,17
